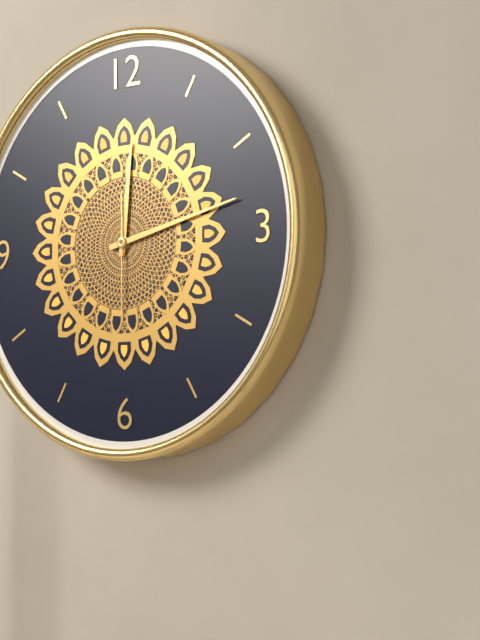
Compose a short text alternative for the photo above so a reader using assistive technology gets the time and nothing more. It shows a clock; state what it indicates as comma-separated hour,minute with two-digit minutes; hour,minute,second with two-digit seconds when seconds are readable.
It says 12,13,30
